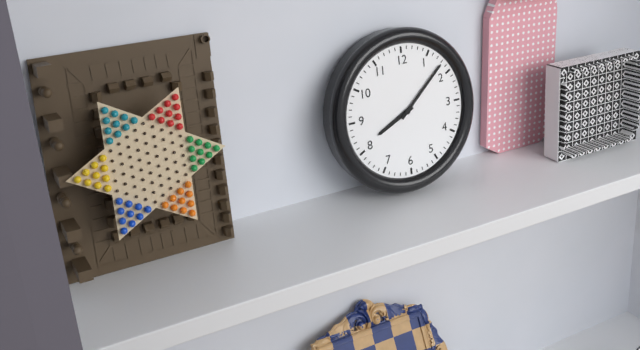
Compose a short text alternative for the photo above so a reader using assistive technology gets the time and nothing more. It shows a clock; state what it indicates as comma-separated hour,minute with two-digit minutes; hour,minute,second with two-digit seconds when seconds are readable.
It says 8,08
